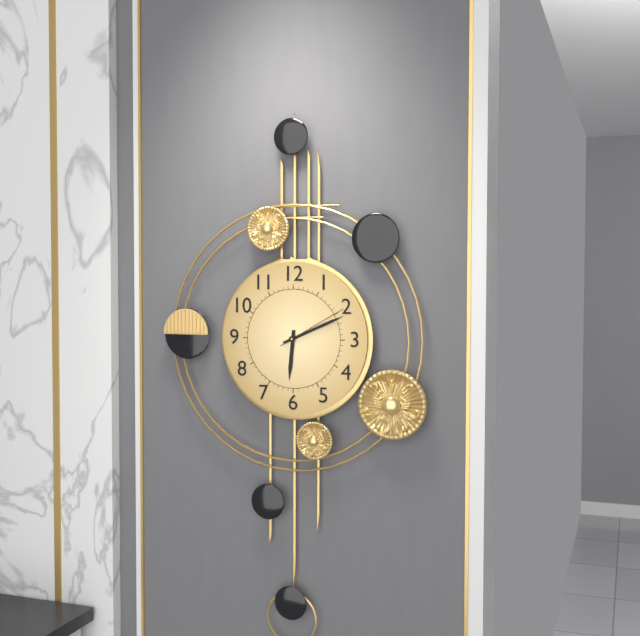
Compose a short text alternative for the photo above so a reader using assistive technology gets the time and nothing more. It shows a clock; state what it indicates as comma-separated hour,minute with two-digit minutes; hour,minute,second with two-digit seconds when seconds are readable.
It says 6,11,10
